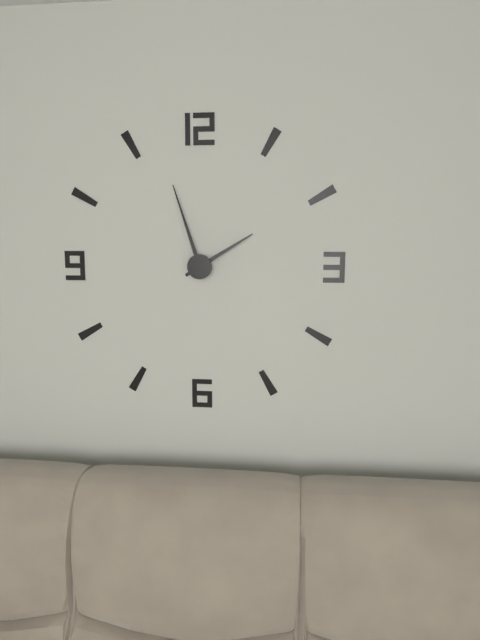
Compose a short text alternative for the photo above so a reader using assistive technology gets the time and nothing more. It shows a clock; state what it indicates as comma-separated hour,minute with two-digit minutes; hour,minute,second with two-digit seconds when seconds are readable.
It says 1,57
